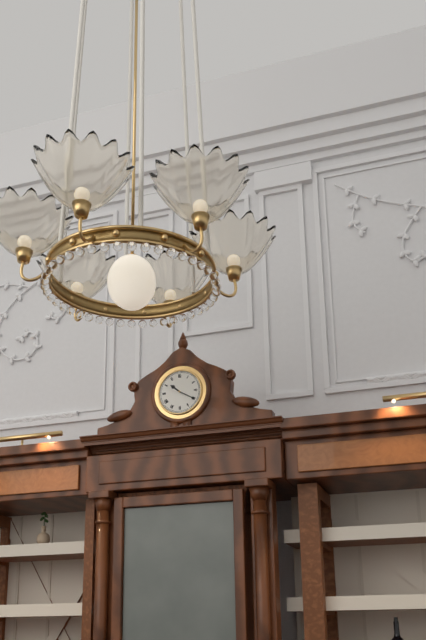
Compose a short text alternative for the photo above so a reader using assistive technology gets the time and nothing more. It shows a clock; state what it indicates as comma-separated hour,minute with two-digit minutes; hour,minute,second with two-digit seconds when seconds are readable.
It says 10,20
